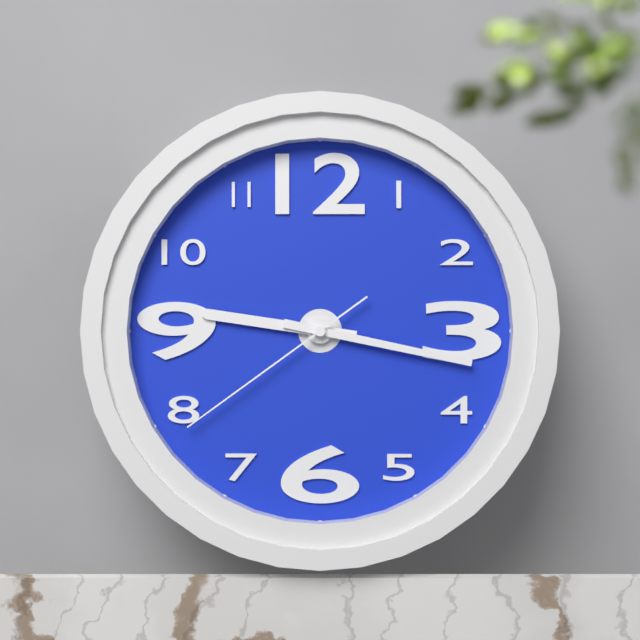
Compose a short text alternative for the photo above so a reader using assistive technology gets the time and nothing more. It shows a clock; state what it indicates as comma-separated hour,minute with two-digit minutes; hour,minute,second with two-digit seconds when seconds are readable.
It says 9,17,39
